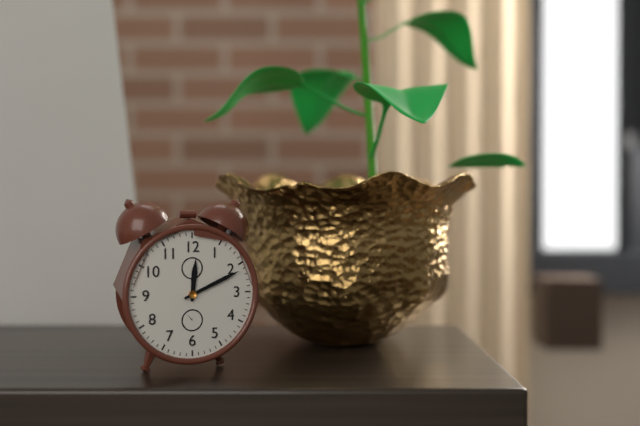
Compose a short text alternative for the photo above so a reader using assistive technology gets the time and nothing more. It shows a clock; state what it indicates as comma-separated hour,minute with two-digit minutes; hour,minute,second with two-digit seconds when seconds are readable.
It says 12,11
